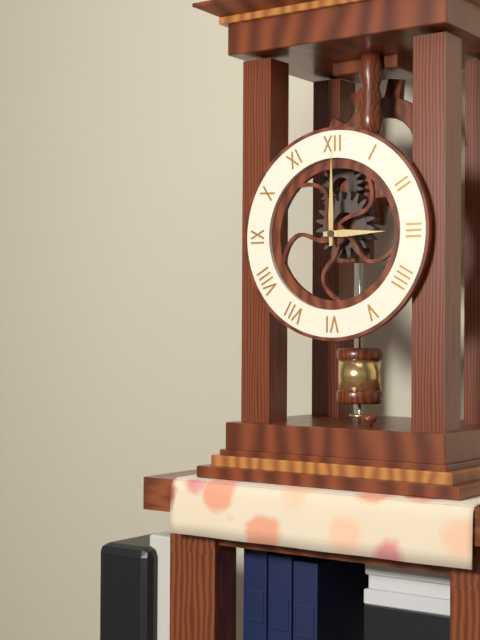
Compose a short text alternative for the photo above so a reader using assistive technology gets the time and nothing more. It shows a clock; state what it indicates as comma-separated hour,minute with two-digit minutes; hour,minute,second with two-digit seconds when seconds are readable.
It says 3,00
